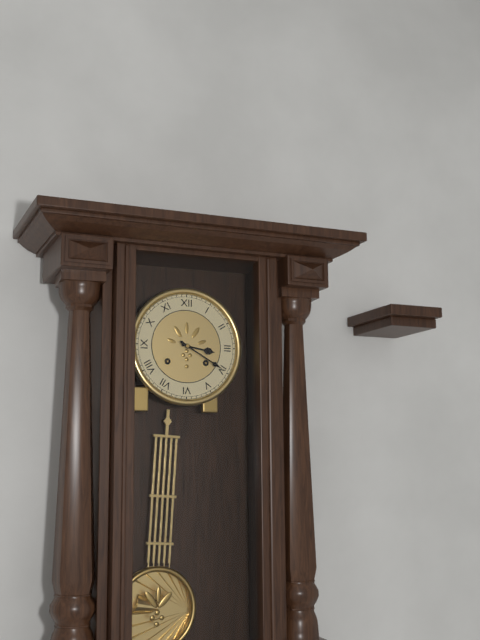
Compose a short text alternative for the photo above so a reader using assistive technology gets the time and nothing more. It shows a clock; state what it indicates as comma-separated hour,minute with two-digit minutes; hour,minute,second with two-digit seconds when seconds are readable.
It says 3,20
